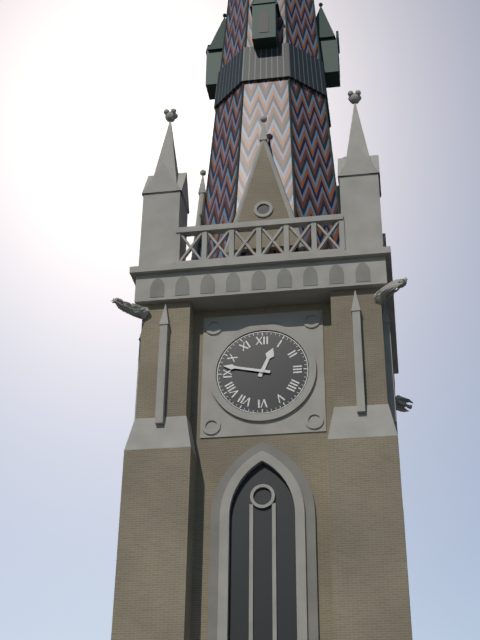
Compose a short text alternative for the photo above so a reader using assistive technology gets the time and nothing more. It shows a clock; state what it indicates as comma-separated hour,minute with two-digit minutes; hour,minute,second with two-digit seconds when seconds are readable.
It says 12,47
